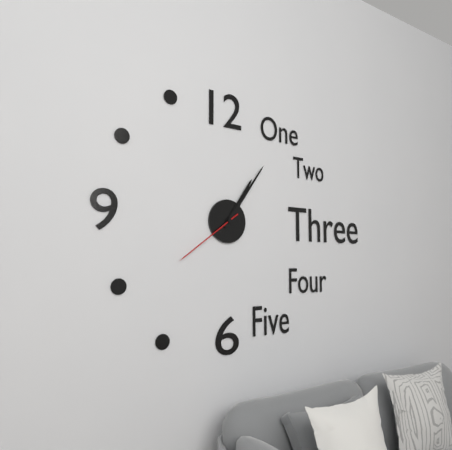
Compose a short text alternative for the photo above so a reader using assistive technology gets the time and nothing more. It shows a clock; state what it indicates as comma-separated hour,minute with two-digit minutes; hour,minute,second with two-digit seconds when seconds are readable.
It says 1,06,39
